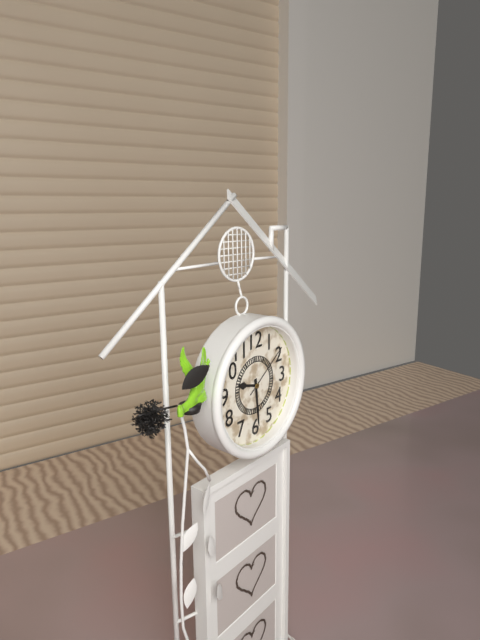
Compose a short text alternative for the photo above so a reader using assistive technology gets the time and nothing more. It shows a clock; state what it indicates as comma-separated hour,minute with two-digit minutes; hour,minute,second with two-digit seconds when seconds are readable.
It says 9,29,09
